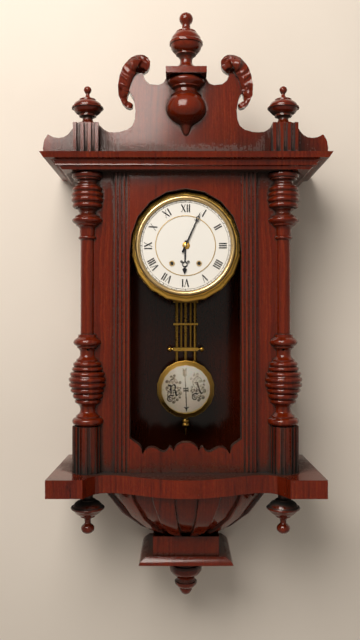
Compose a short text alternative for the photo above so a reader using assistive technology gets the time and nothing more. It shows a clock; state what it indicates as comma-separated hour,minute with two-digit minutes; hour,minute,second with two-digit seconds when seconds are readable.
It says 6,04
